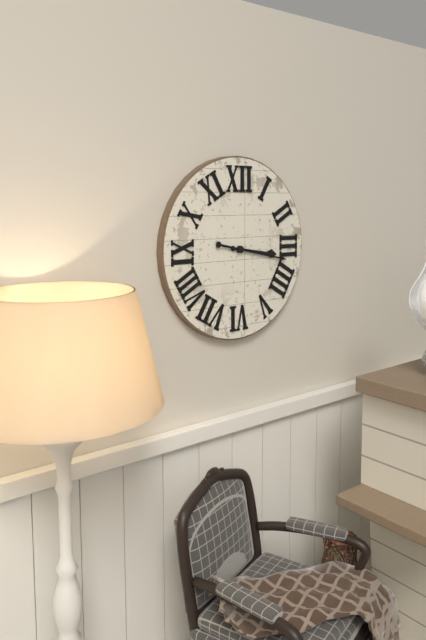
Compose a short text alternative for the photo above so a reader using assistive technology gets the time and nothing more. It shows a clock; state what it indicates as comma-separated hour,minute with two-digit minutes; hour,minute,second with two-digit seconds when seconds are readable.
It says 3,17
